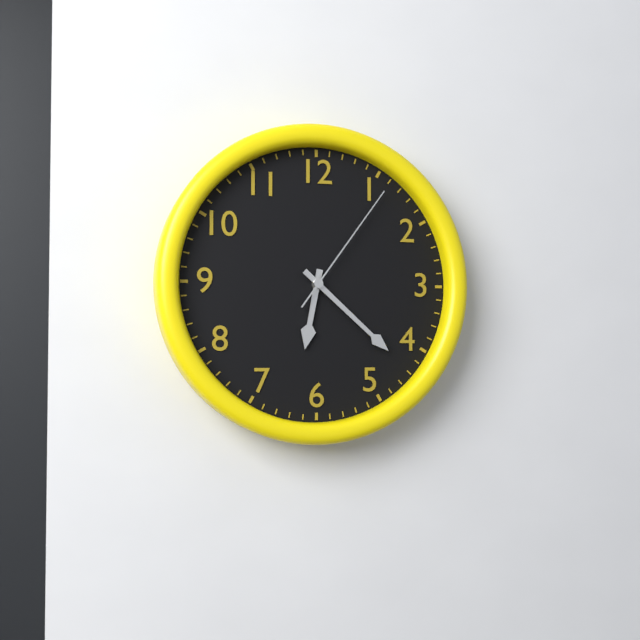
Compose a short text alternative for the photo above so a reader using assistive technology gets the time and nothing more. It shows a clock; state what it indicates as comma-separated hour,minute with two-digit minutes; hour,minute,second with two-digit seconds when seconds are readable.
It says 6,22,06
